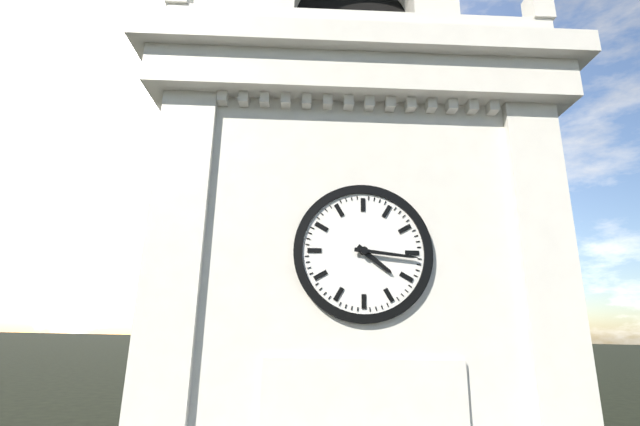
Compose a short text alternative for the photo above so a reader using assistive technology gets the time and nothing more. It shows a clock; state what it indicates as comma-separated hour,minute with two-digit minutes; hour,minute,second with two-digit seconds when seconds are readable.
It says 4,16
